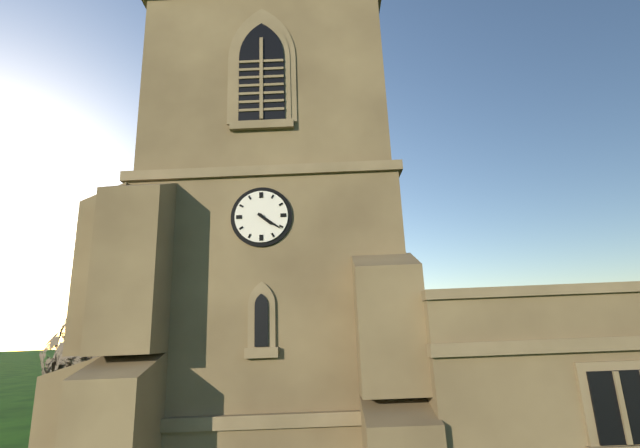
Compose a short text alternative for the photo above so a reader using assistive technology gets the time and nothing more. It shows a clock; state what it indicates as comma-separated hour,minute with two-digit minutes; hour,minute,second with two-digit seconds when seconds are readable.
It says 4,21
